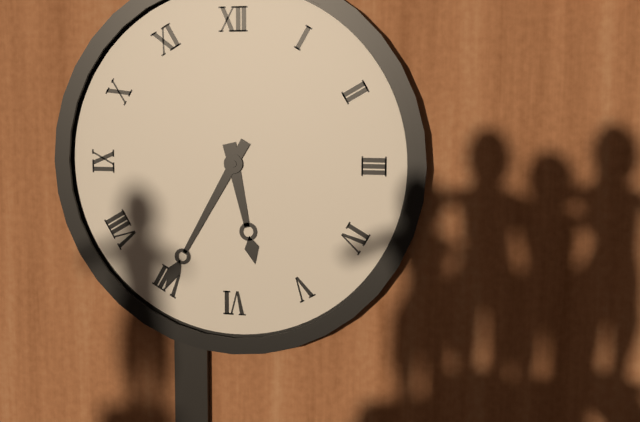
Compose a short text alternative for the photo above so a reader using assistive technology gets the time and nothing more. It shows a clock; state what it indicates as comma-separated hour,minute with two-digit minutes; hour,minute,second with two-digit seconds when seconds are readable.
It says 5,35
